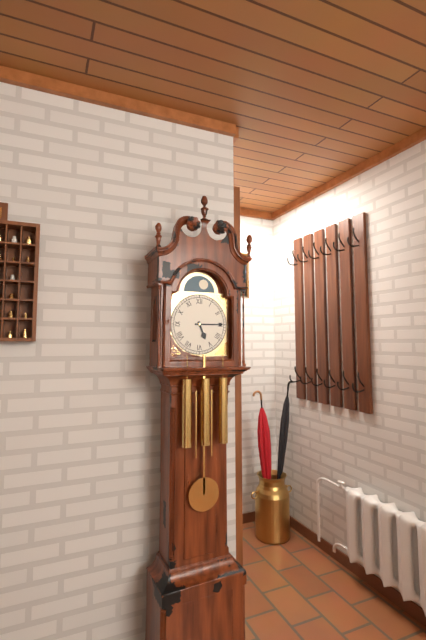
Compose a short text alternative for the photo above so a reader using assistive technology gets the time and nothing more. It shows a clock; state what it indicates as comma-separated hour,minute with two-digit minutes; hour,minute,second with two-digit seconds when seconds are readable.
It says 5,15
